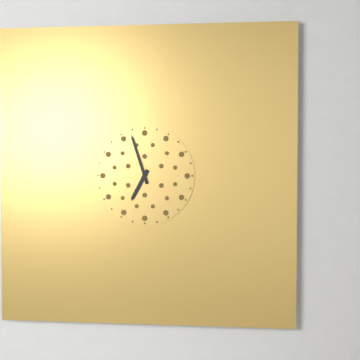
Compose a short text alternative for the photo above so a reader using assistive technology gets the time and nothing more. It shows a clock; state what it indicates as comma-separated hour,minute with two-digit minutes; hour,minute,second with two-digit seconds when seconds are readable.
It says 6,57
